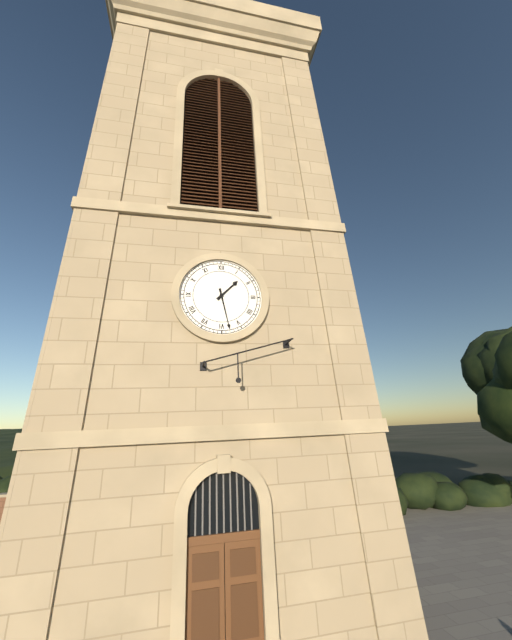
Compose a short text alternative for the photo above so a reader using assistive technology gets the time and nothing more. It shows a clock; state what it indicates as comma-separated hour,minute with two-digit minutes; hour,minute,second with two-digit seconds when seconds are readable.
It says 1,28
